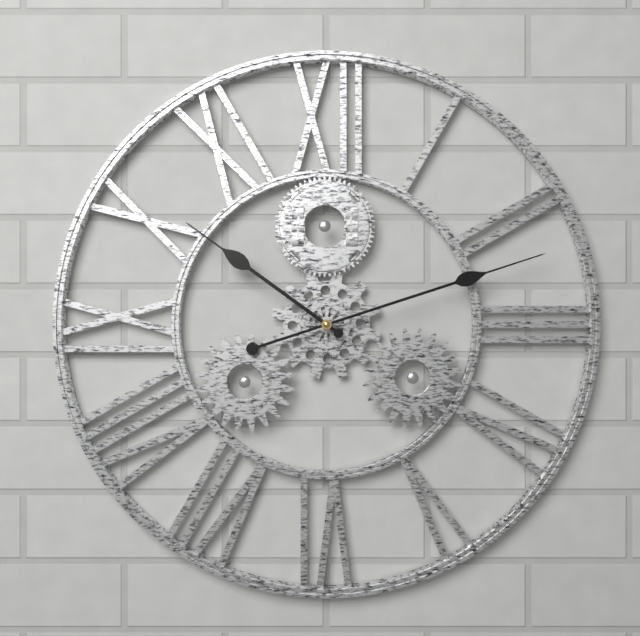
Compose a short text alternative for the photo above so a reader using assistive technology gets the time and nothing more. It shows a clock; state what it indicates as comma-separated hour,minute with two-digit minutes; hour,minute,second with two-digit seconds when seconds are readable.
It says 10,12
